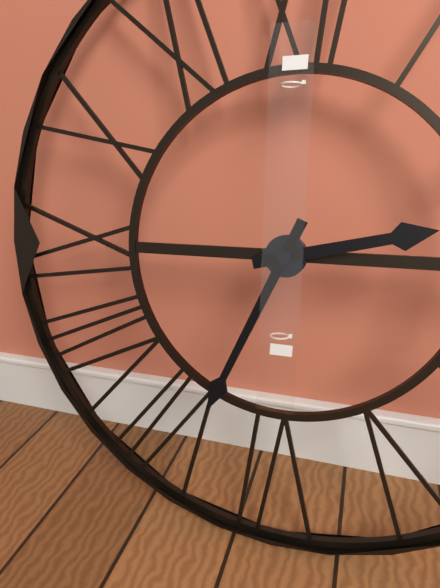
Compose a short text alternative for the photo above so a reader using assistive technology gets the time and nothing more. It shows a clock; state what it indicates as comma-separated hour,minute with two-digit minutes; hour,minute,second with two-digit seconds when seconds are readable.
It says 2,34
